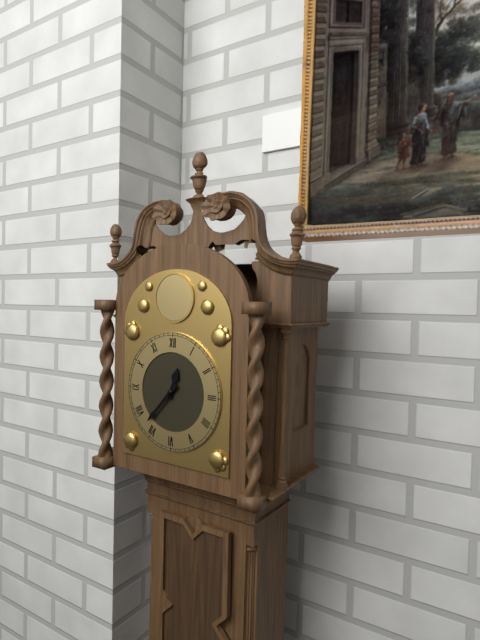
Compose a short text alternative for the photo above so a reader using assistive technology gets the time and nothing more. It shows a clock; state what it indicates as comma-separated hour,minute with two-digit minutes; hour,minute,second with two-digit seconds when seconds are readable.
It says 12,37
